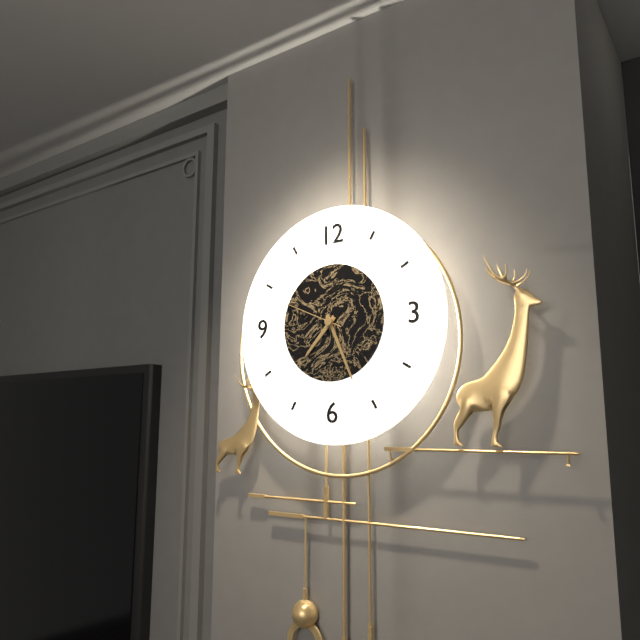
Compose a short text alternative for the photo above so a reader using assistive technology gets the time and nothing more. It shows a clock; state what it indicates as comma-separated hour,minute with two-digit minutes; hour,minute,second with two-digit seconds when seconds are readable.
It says 7,26,49
